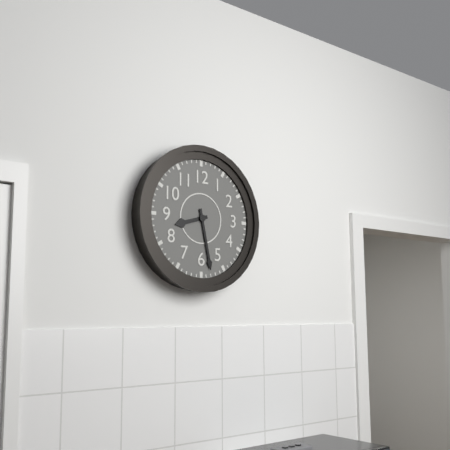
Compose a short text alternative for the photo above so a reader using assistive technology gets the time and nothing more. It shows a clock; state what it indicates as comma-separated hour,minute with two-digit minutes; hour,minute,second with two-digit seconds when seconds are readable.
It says 8,28
